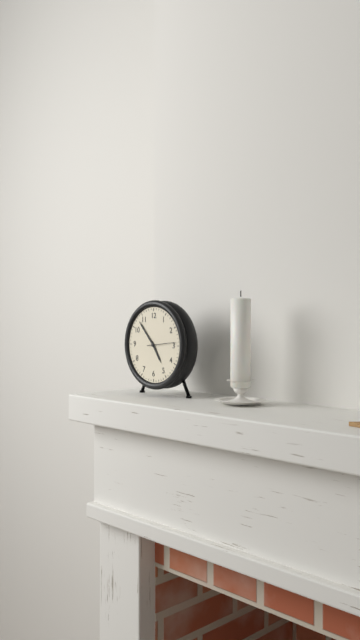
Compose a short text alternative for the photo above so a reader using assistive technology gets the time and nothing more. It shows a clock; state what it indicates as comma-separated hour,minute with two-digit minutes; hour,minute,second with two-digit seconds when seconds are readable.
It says 4,53
